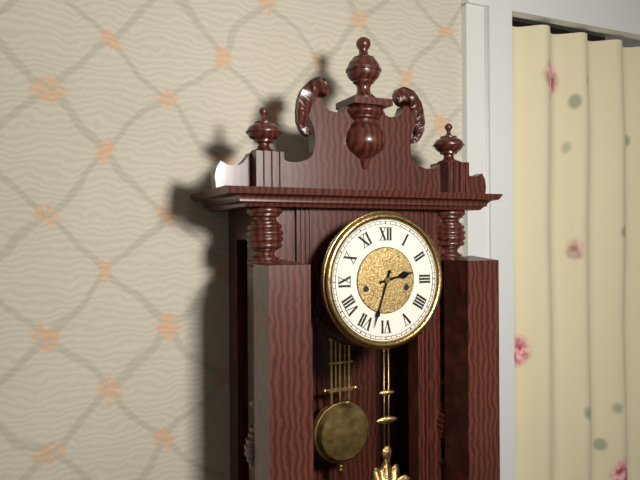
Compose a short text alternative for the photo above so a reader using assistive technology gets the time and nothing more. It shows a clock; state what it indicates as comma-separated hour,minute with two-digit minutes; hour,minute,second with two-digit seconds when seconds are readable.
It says 2,33
